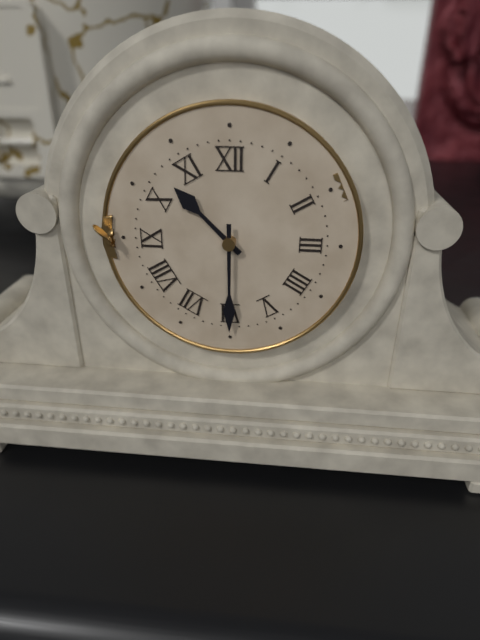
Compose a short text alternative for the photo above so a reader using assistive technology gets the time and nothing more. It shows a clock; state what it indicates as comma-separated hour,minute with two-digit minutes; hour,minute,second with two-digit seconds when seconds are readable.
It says 10,30
